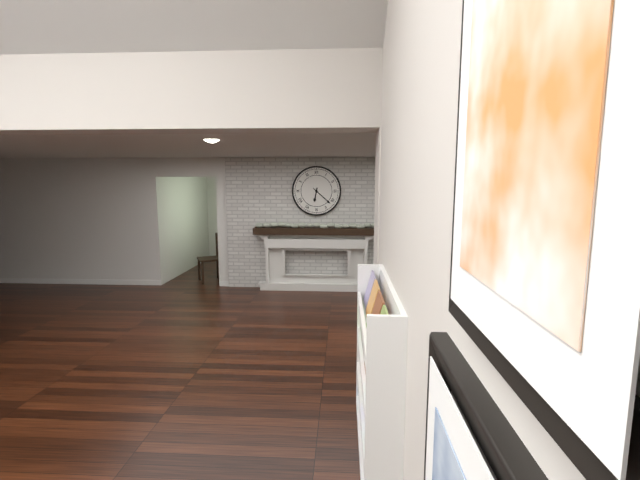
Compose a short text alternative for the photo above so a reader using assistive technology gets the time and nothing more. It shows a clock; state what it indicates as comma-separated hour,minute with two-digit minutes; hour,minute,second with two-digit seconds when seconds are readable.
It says 6,22
